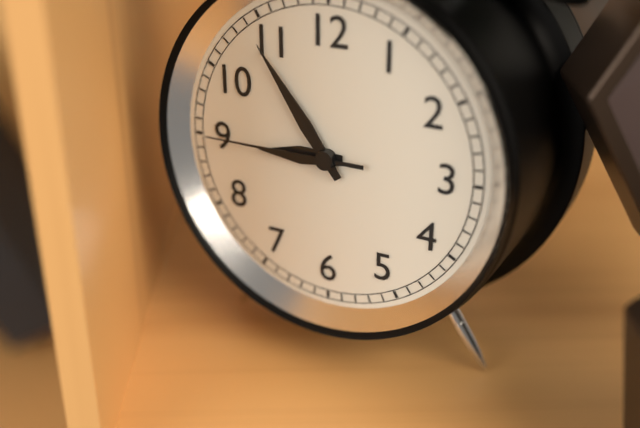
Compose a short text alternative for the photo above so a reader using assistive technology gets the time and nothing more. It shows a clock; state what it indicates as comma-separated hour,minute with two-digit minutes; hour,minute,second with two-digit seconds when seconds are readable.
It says 8,54,45
